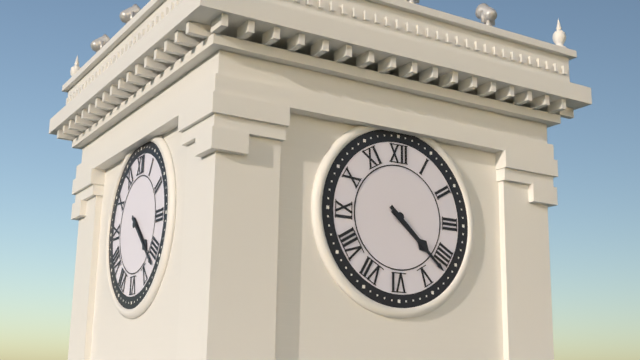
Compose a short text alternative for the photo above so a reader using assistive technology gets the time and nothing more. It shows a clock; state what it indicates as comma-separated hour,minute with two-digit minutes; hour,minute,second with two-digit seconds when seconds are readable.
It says 4,22
